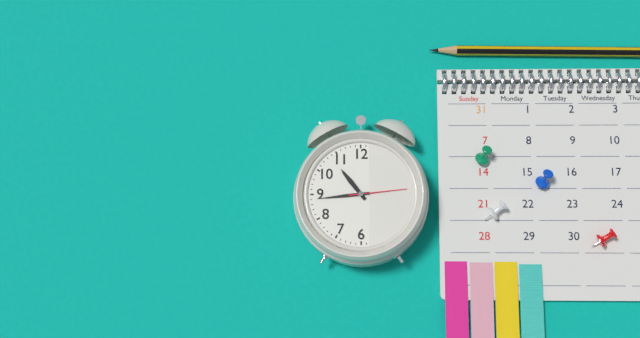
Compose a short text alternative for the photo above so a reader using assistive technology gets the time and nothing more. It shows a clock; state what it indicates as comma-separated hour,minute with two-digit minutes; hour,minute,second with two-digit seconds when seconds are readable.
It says 10,44,14
